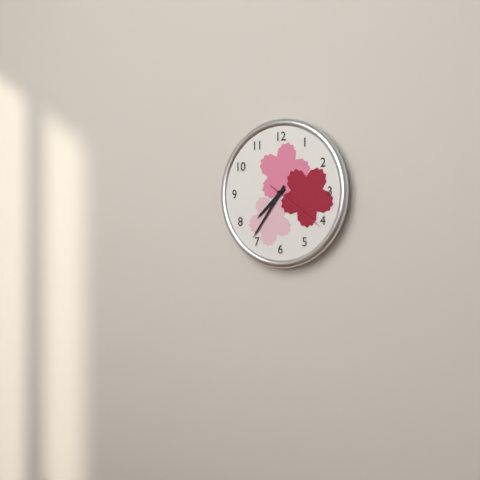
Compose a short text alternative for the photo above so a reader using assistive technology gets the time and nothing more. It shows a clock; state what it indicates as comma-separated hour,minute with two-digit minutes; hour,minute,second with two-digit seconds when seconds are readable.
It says 7,36,21
